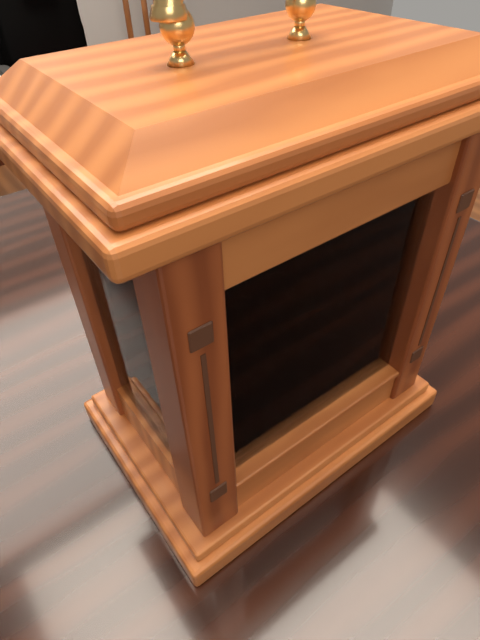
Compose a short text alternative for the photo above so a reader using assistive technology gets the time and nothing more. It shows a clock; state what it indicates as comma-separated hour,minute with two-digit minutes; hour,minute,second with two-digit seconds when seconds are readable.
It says 11,49
